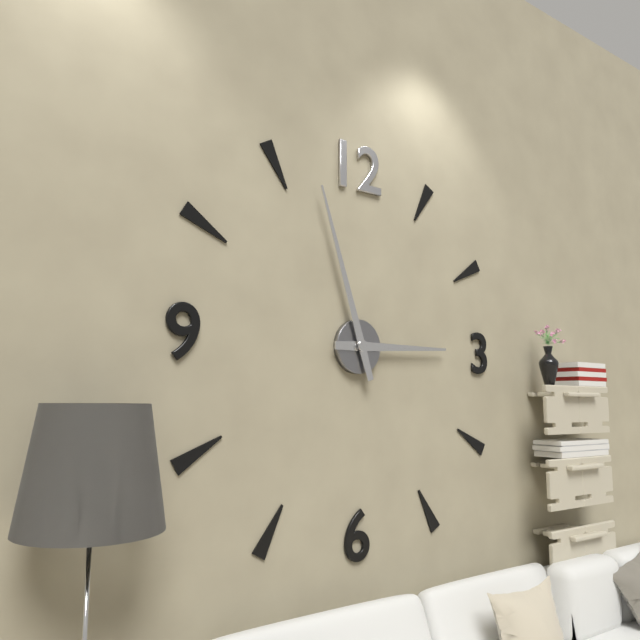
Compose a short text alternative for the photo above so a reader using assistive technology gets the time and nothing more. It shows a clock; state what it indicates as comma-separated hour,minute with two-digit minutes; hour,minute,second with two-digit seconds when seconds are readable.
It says 2,57
